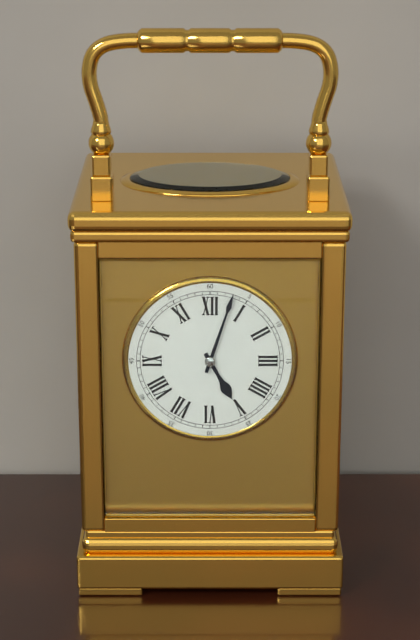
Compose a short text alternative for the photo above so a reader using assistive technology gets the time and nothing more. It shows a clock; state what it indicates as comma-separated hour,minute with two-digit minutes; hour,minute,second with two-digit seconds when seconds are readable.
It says 5,03
